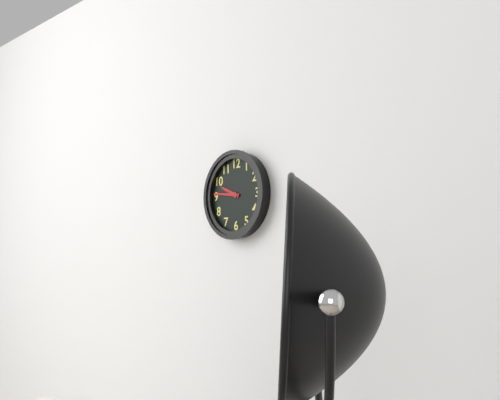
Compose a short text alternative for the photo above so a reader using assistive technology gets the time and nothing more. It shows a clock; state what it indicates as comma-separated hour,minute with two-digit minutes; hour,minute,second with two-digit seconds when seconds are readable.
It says 9,46
